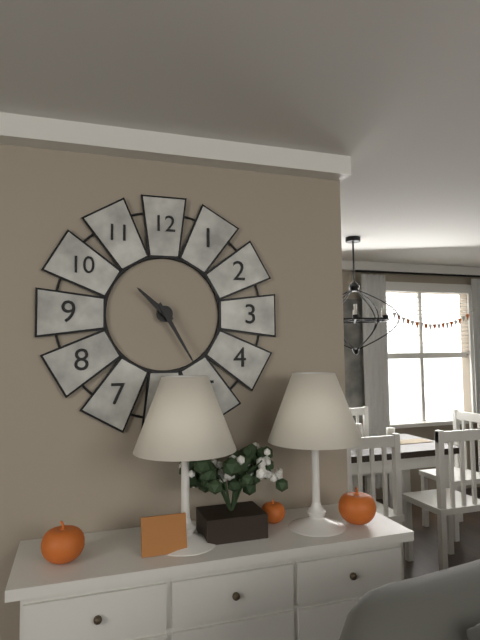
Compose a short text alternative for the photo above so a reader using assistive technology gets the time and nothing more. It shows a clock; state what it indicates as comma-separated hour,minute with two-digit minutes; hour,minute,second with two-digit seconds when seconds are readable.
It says 10,25
